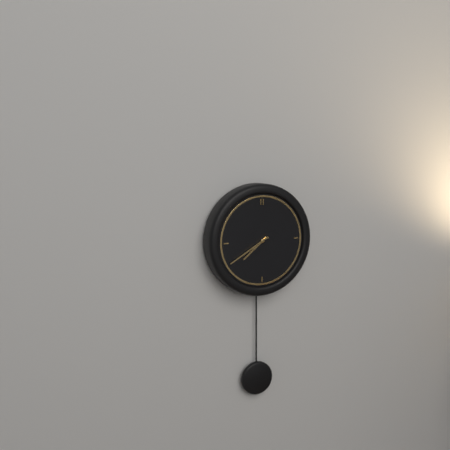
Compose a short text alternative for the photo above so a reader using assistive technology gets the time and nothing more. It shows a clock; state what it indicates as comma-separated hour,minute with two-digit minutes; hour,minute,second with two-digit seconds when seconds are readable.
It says 7,40
